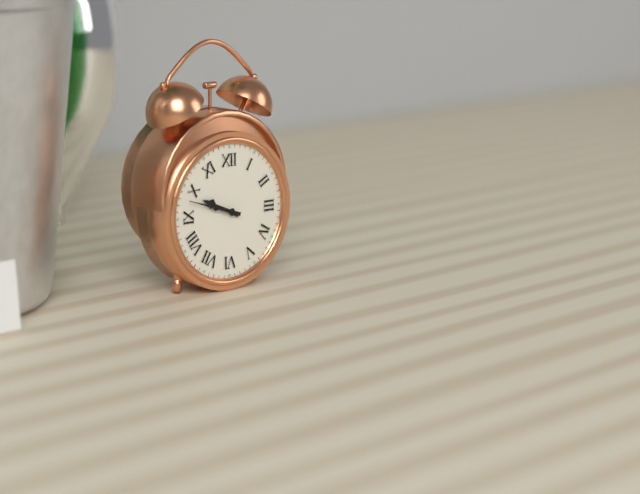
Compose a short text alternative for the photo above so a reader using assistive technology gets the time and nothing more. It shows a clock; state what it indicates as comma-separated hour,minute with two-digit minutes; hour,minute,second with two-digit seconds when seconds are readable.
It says 9,48
